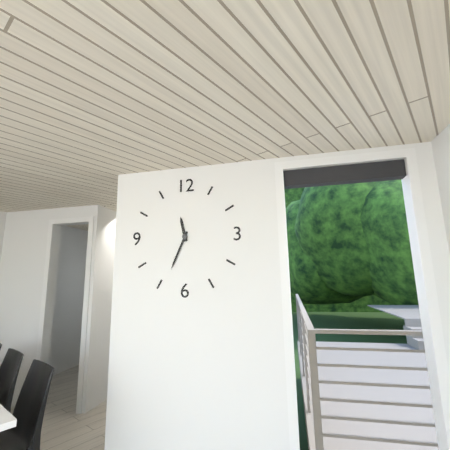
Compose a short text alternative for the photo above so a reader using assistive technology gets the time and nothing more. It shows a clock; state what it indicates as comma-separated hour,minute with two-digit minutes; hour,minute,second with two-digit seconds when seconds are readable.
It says 11,34
